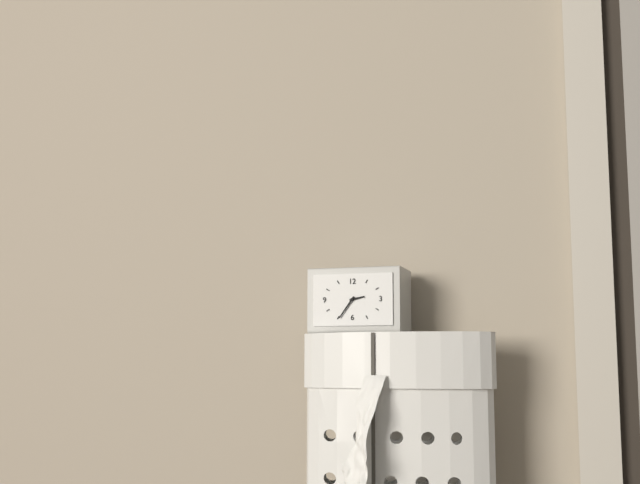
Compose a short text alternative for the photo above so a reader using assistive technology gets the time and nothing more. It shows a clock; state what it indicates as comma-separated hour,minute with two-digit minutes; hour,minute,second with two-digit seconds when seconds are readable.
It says 2,36
